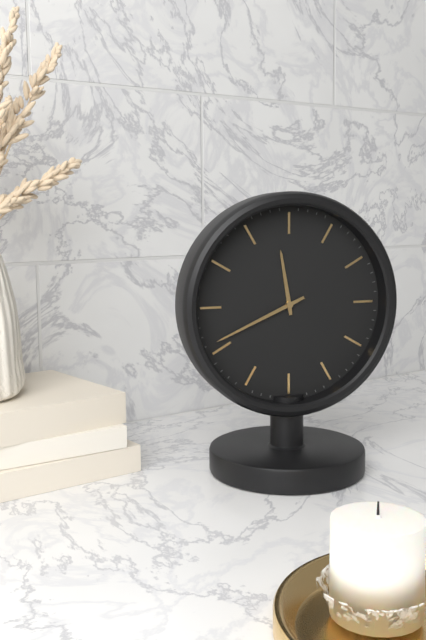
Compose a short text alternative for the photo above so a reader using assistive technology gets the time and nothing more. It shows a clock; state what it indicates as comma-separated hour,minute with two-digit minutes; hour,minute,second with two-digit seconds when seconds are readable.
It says 11,41
